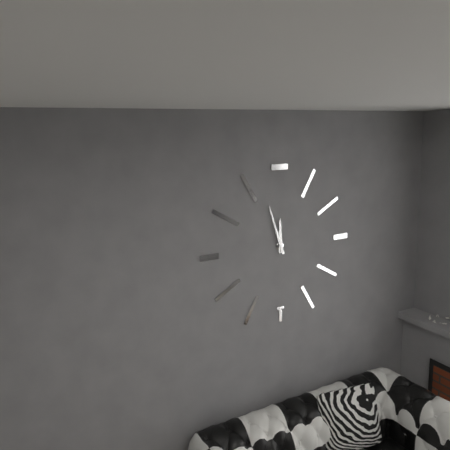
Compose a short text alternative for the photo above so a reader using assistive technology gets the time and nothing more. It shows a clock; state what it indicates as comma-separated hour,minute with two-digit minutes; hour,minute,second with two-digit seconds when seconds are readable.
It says 11,57
